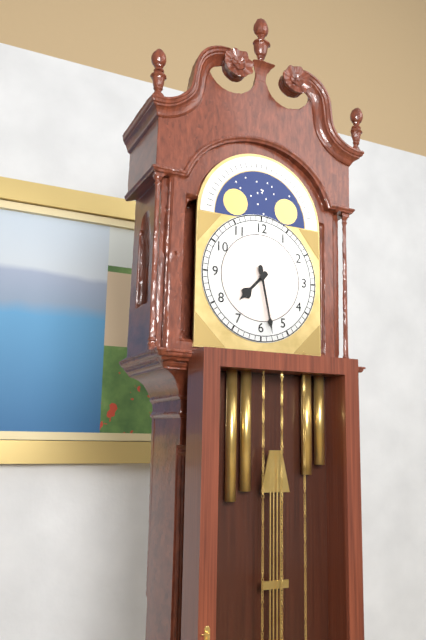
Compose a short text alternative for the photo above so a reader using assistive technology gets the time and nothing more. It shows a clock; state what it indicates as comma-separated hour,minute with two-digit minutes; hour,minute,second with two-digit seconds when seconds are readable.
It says 7,28
